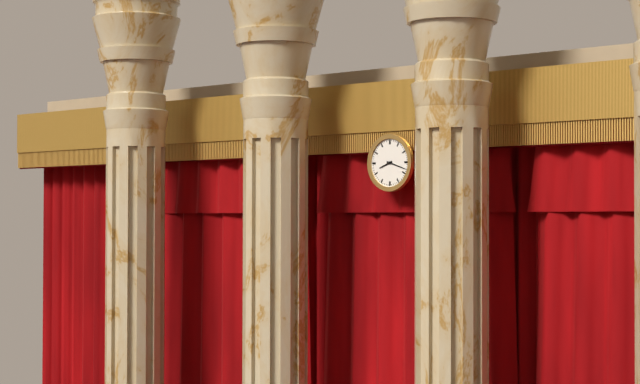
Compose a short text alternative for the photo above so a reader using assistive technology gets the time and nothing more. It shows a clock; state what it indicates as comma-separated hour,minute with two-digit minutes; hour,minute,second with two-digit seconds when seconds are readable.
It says 8,18
